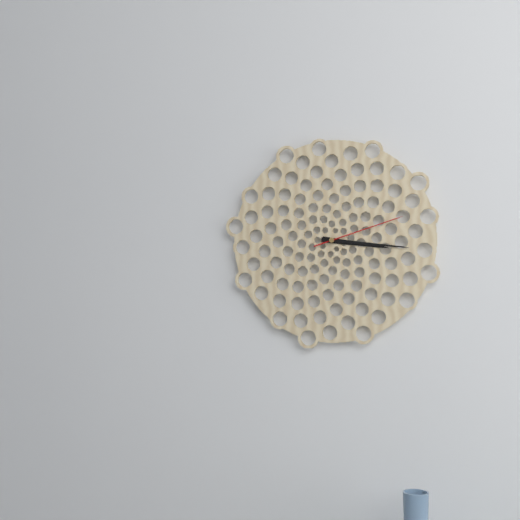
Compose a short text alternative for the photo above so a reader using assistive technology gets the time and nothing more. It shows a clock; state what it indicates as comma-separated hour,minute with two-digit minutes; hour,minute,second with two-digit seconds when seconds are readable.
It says 3,16,12
